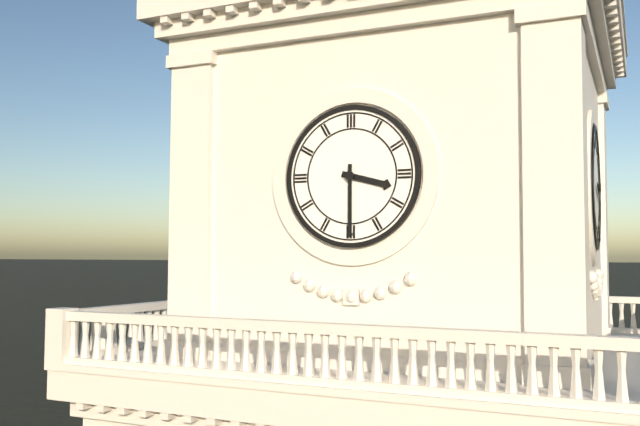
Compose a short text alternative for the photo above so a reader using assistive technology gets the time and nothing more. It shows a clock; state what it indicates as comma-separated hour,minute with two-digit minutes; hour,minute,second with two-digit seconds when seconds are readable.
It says 3,30
